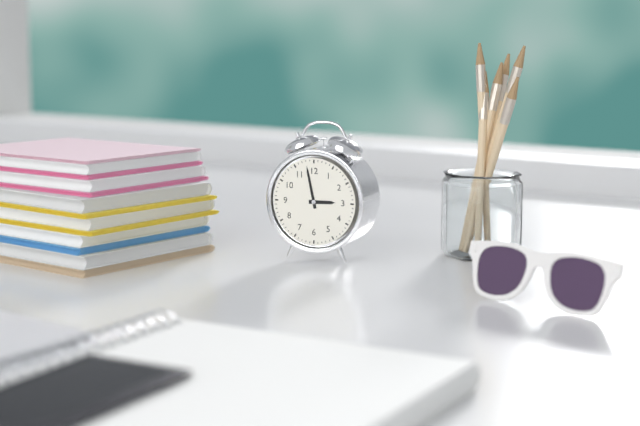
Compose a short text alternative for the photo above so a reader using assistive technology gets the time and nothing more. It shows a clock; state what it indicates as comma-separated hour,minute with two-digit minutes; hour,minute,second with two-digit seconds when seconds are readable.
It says 2,58
